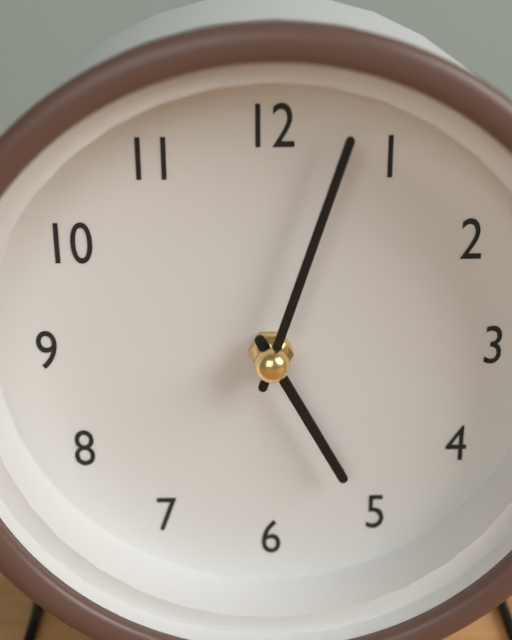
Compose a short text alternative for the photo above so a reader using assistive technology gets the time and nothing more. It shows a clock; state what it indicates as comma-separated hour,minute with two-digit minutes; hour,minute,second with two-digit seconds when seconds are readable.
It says 5,03
